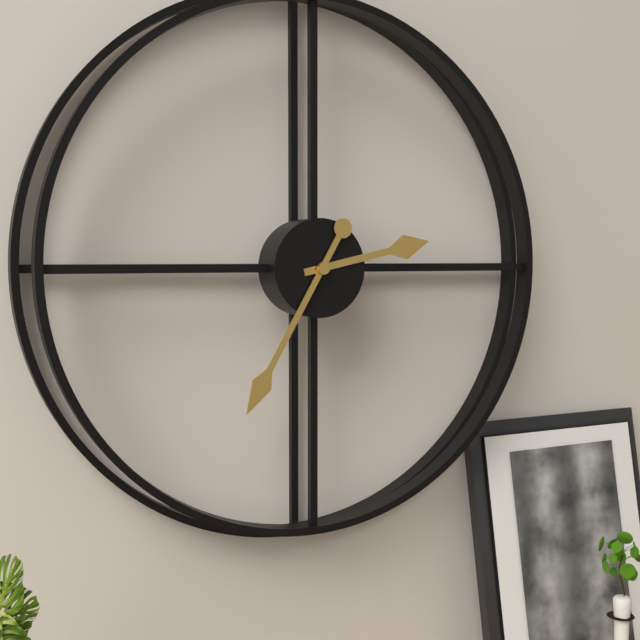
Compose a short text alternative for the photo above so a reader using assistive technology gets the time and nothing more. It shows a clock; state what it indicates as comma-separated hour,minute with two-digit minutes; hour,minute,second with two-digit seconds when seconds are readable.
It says 2,35
